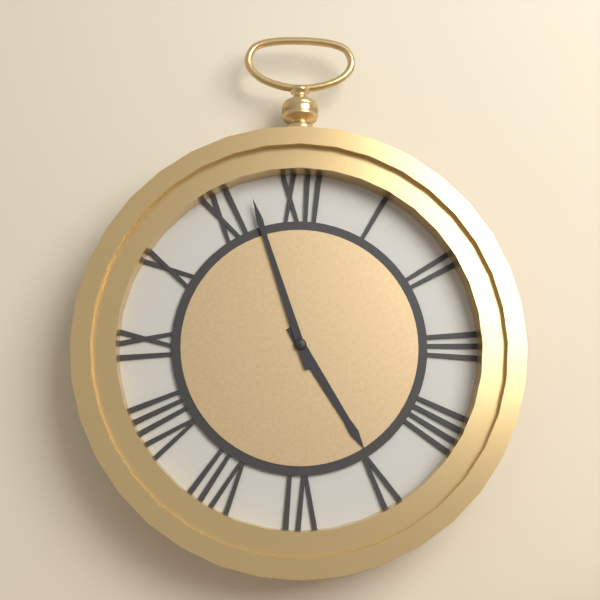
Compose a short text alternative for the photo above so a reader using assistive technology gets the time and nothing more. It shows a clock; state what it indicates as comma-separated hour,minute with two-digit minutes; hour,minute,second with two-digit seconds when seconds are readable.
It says 4,57
